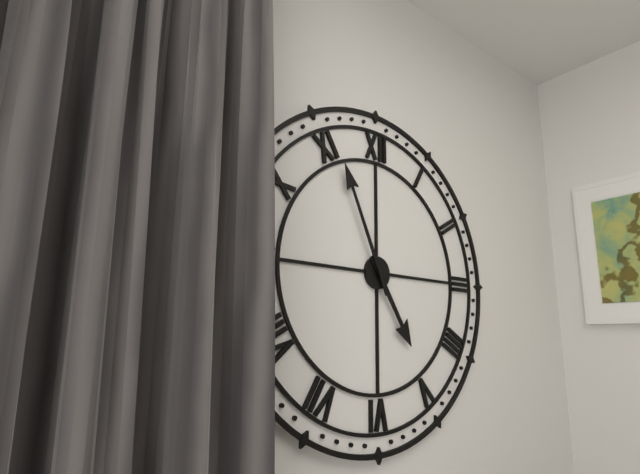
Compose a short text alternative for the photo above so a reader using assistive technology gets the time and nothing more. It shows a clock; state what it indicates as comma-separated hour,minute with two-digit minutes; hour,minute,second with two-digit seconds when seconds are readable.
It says 4,56
